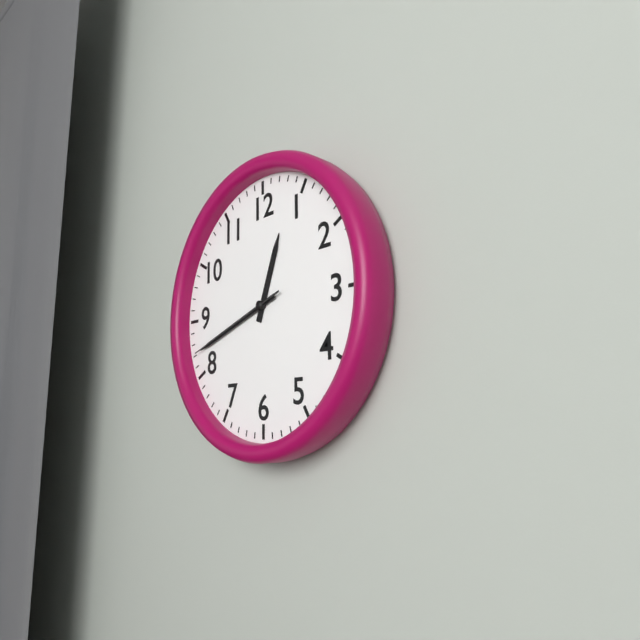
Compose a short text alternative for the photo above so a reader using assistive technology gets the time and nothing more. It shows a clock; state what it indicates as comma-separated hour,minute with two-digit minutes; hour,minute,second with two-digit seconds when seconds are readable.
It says 12,42,42
